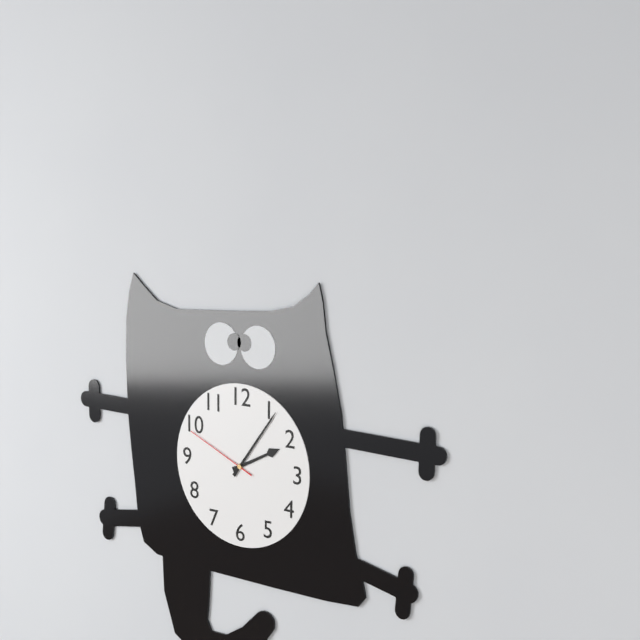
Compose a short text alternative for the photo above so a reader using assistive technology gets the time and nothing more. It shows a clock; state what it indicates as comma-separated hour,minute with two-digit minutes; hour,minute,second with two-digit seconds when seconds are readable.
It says 2,06,49
